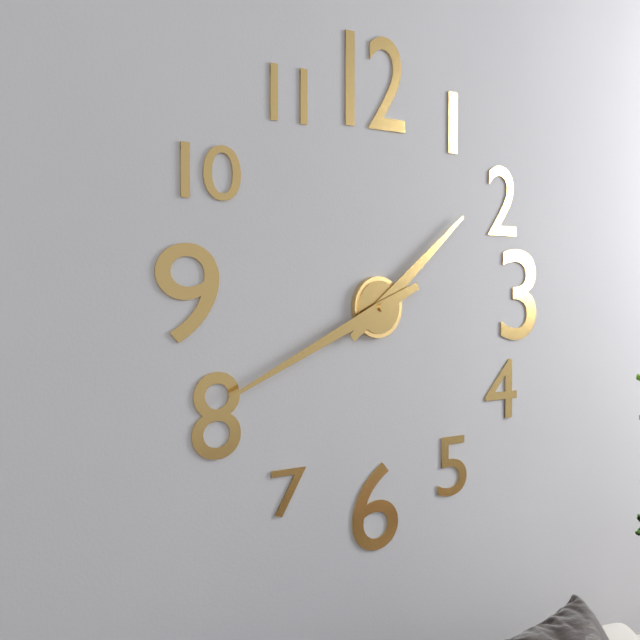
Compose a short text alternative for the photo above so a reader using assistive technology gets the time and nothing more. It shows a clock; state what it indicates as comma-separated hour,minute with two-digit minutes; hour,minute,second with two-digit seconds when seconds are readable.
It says 1,41
